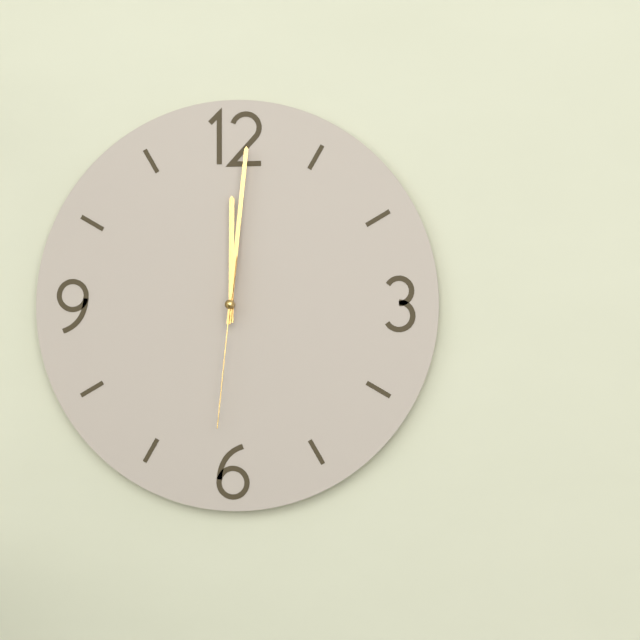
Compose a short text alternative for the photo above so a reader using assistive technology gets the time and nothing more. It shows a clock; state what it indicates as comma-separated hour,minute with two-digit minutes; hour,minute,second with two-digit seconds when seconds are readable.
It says 12,01,31
